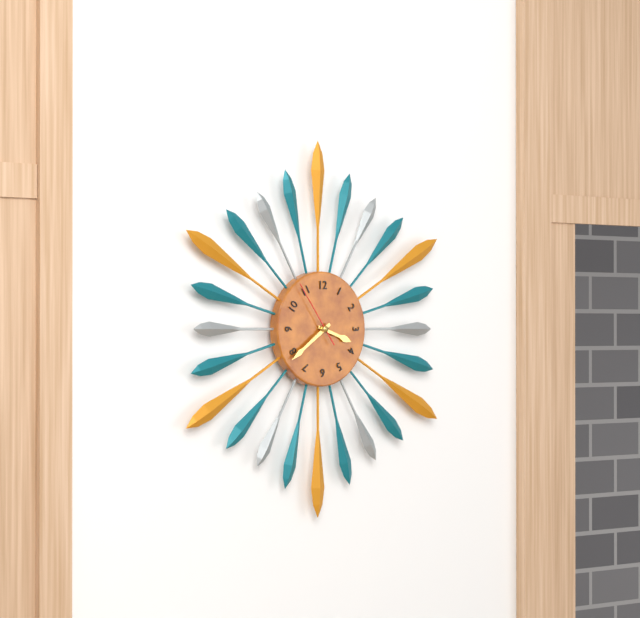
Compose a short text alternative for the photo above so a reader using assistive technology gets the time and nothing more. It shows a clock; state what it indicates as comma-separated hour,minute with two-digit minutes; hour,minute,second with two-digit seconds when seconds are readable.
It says 3,39,54
